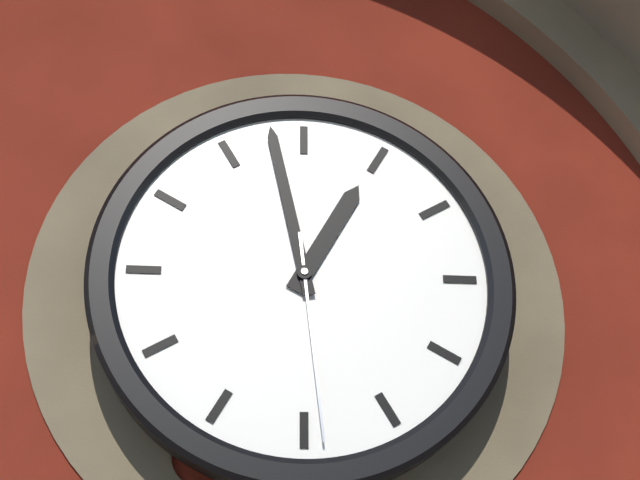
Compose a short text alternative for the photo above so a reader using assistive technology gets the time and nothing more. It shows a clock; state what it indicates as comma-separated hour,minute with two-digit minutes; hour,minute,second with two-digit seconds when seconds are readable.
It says 12,58,29
